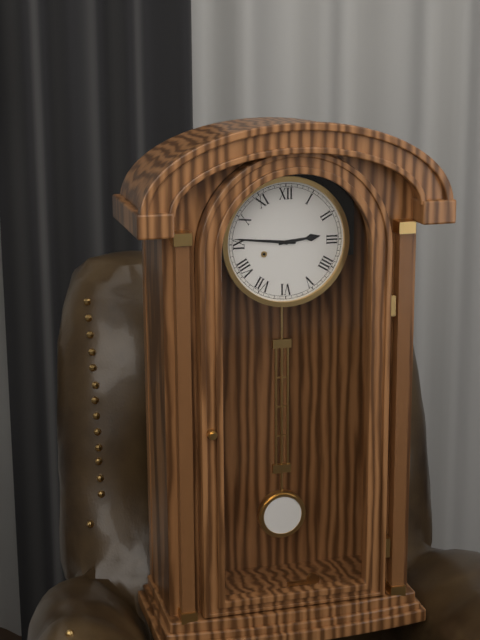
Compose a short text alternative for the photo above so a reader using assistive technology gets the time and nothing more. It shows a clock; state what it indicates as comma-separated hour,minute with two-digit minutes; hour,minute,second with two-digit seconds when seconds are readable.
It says 2,46
